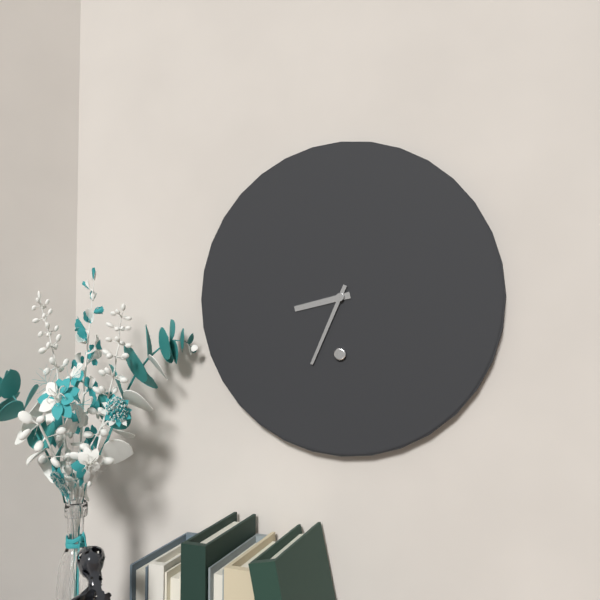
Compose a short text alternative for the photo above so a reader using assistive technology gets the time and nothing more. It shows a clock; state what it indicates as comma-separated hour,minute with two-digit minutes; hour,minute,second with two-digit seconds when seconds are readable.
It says 8,34
